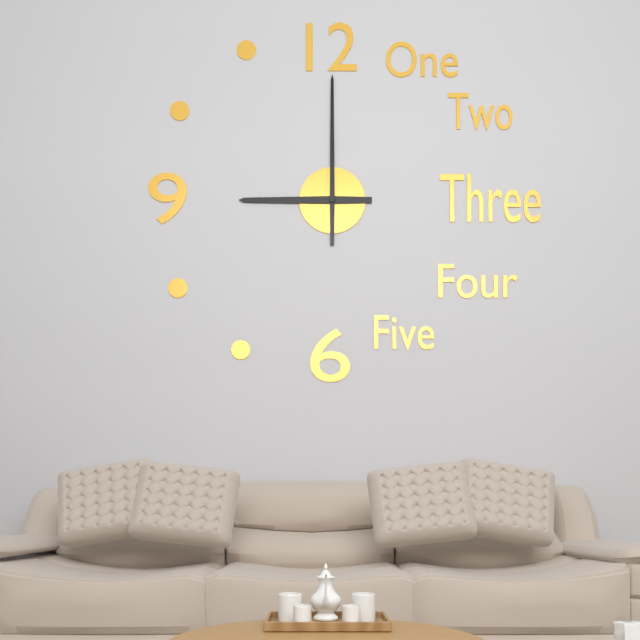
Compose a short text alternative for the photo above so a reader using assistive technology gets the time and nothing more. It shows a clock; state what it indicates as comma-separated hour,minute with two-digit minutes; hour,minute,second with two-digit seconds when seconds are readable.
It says 9,00
